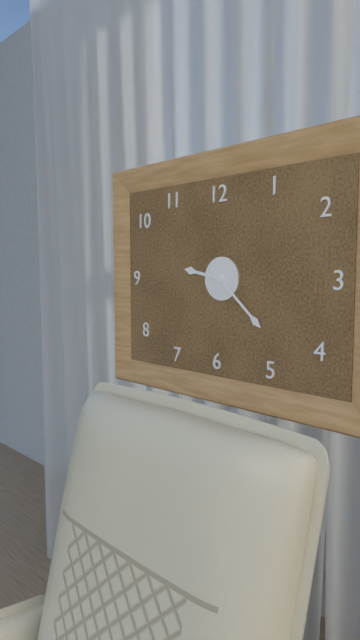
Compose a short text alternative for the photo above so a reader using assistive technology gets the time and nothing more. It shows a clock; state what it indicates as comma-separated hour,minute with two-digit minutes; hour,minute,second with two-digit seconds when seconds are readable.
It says 9,22
